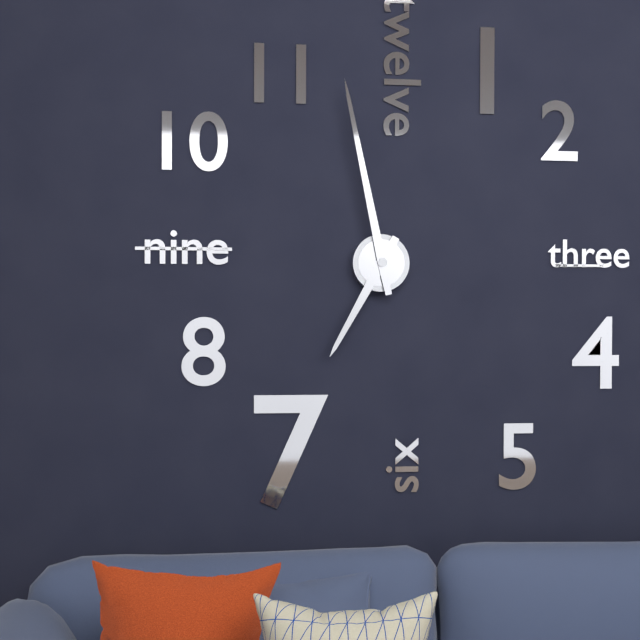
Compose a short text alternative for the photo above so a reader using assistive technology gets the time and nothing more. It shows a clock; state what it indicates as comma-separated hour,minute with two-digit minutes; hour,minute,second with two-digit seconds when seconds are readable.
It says 6,58
